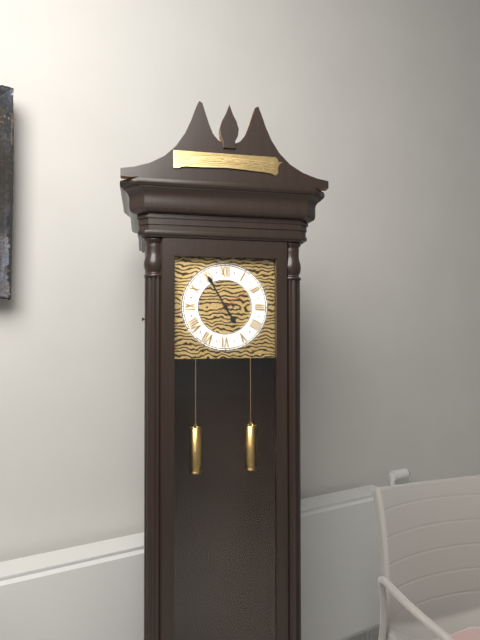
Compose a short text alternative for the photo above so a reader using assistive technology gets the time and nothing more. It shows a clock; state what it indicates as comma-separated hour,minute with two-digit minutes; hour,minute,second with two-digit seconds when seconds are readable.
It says 4,55
